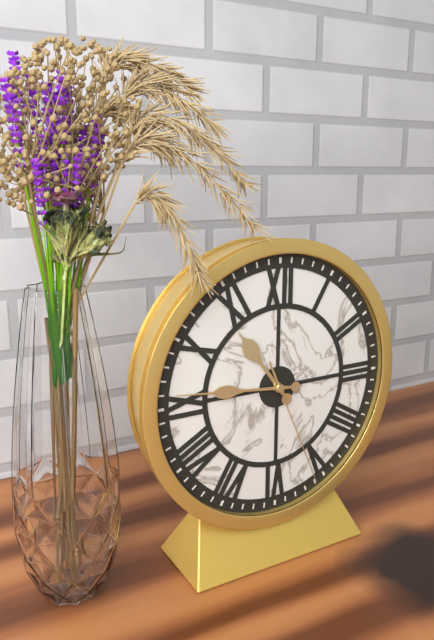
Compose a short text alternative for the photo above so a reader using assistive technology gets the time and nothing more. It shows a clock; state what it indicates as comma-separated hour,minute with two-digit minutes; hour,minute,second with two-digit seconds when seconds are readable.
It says 10,46,26
